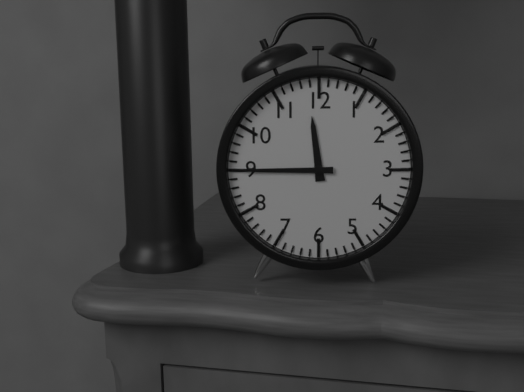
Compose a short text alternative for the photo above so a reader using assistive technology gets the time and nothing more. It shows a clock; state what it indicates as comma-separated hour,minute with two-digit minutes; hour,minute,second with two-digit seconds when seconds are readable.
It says 11,45
